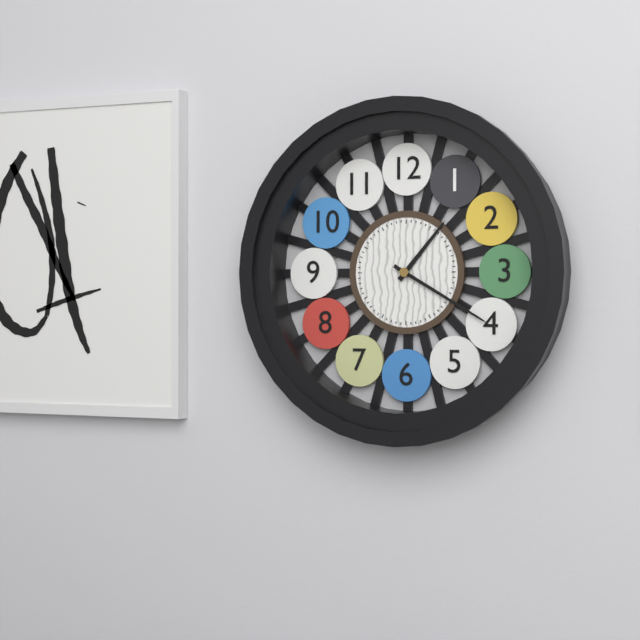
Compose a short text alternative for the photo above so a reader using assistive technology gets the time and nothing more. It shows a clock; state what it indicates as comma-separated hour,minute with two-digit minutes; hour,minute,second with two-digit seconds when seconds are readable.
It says 1,20
